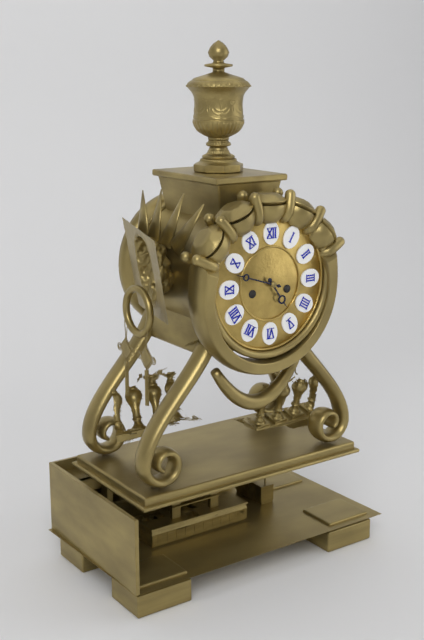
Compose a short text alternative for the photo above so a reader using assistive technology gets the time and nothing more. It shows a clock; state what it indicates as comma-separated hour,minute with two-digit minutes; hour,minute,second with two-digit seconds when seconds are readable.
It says 4,48
